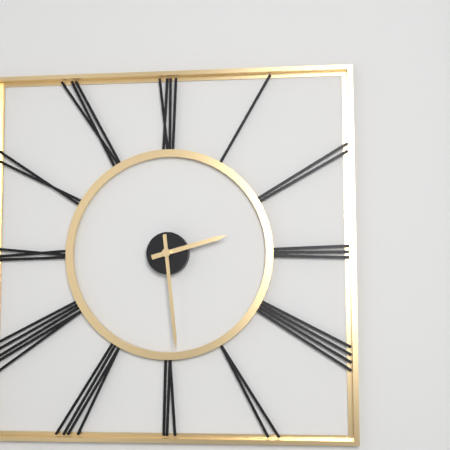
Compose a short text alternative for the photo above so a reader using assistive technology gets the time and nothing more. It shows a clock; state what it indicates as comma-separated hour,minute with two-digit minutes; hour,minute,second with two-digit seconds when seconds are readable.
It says 2,29
